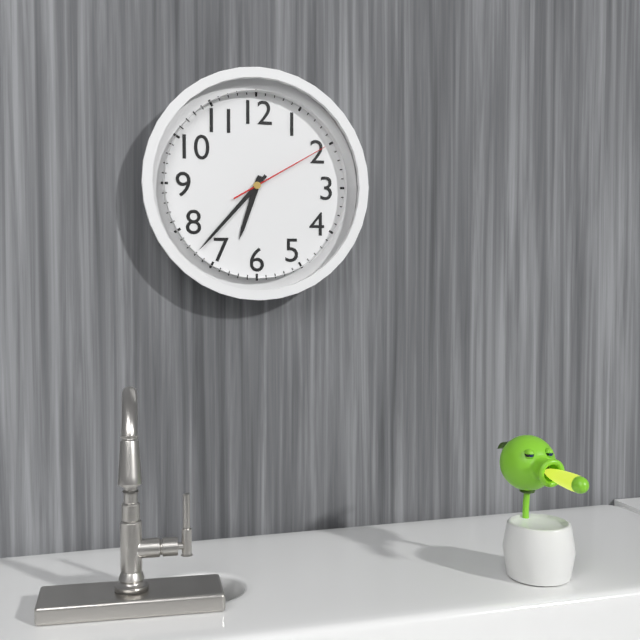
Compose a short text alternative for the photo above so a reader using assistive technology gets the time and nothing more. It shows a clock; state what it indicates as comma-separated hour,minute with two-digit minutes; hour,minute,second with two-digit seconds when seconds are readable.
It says 6,37,10
